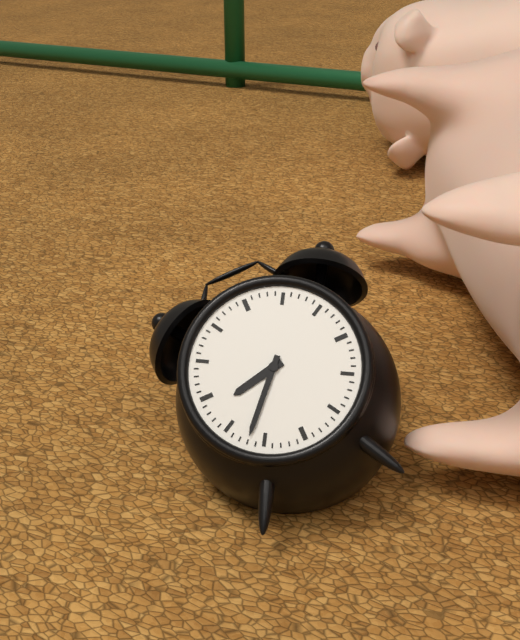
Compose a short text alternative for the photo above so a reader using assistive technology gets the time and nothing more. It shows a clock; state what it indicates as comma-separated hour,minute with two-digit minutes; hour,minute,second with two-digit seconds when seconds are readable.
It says 8,37
